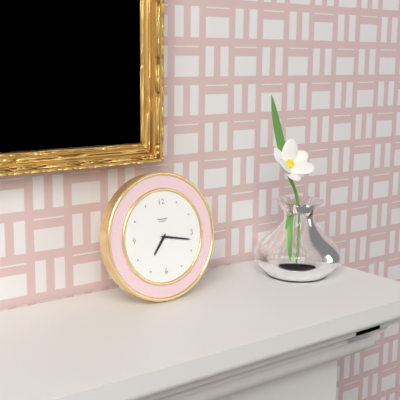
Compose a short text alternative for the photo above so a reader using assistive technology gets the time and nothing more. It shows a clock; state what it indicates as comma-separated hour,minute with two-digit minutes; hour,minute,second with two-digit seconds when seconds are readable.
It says 7,17
